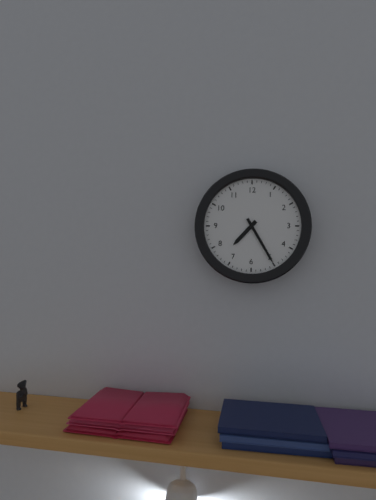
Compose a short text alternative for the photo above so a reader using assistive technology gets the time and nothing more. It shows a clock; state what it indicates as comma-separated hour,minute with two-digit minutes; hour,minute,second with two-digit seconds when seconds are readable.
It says 7,25
